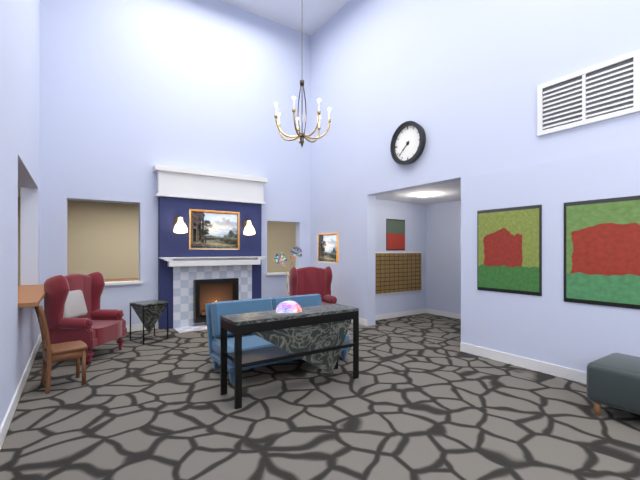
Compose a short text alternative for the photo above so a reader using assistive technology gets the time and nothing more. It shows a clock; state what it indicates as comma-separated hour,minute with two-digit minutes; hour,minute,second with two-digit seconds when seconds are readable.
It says 7,38
